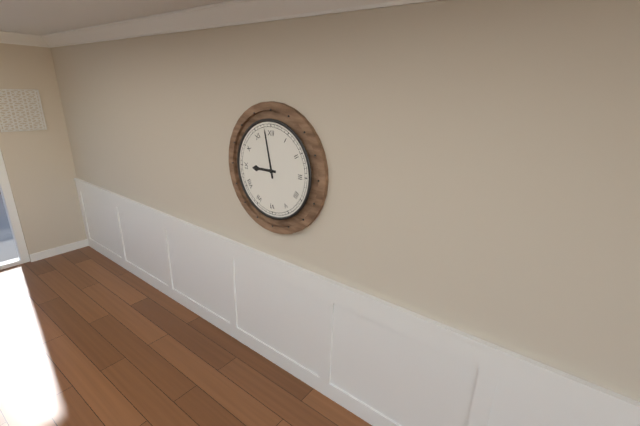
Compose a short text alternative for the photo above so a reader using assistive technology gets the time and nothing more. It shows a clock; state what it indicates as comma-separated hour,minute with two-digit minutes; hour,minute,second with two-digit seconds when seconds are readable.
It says 8,58
